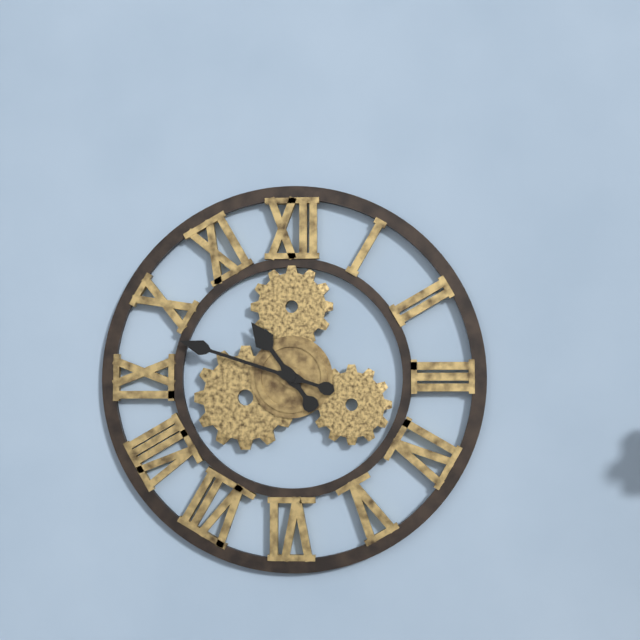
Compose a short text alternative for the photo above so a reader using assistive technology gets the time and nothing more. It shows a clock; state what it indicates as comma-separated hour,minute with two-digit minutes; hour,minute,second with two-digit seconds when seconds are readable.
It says 10,48
